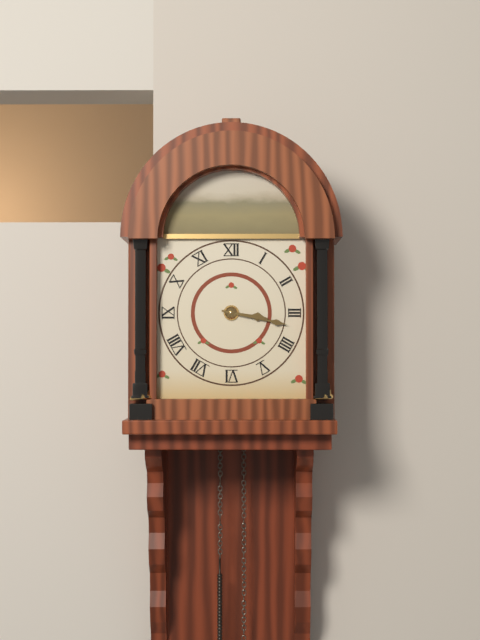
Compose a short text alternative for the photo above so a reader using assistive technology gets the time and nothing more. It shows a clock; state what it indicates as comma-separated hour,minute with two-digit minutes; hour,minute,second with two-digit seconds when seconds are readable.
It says 3,17
